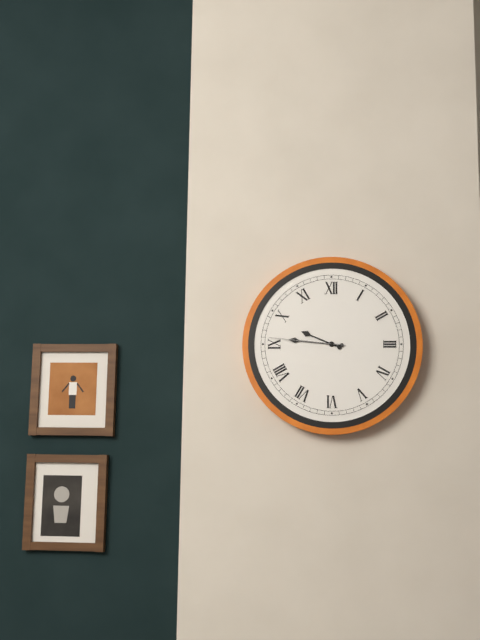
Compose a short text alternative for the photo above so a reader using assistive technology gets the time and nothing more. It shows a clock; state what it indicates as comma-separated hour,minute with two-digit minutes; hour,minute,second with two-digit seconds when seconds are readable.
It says 9,46,46
